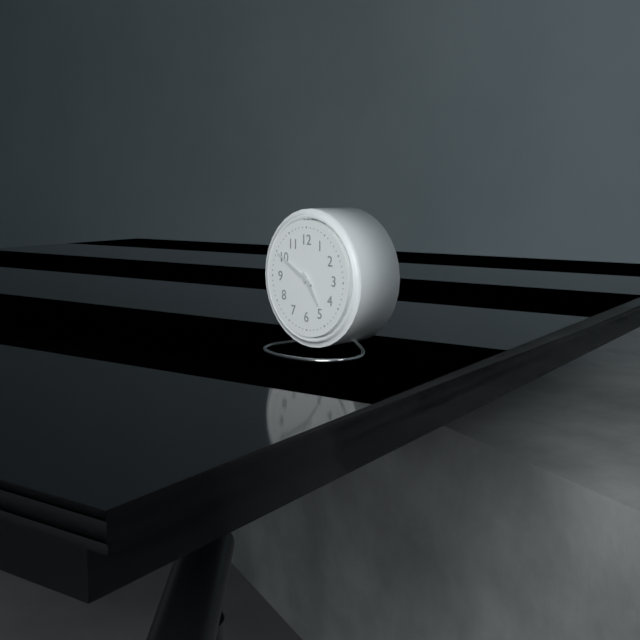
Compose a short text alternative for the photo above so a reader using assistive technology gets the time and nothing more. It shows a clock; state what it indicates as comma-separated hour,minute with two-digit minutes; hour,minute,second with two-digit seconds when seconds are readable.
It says 4,50
